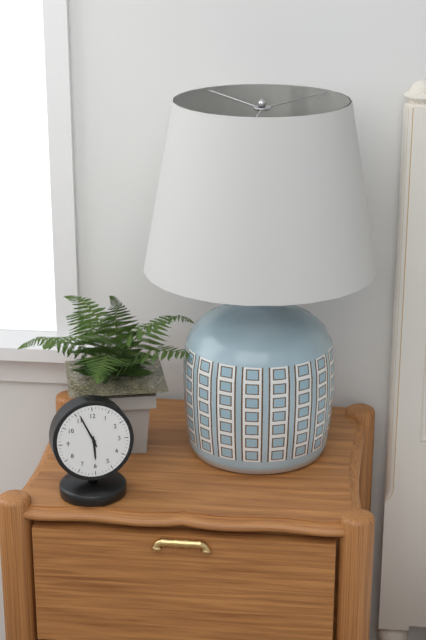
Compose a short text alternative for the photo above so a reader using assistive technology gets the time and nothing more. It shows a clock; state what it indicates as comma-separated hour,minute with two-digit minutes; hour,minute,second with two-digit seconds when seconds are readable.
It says 5,56
